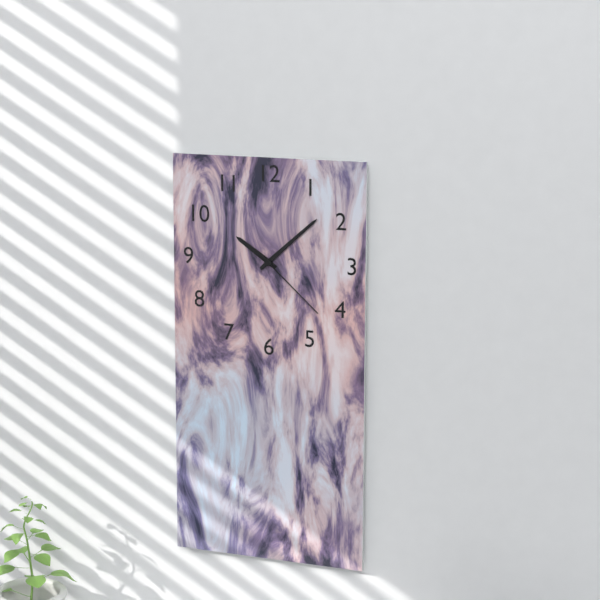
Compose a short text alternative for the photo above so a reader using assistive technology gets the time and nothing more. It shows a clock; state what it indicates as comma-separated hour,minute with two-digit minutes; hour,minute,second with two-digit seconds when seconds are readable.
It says 10,08,22
